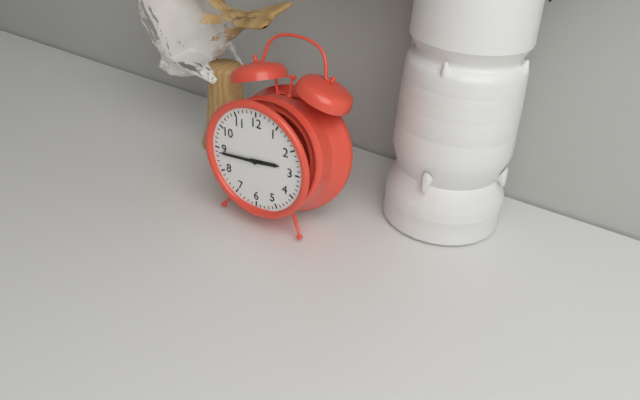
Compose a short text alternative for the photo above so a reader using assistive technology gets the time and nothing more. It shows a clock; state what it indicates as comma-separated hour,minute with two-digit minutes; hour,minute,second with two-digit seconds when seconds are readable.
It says 2,44
